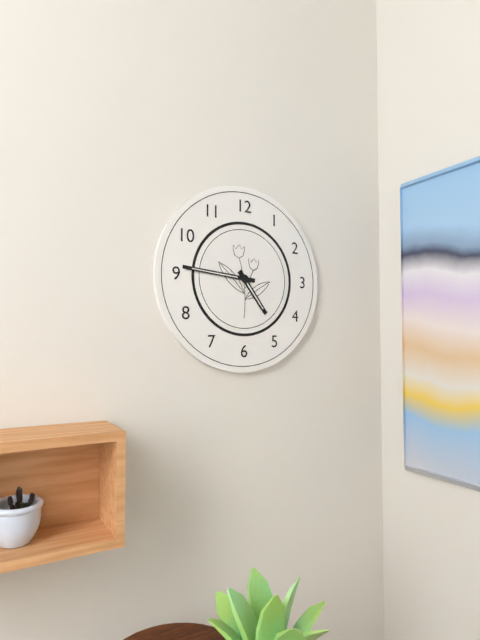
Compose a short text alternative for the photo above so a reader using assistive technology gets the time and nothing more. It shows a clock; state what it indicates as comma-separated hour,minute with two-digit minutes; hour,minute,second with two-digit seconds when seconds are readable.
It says 4,46
